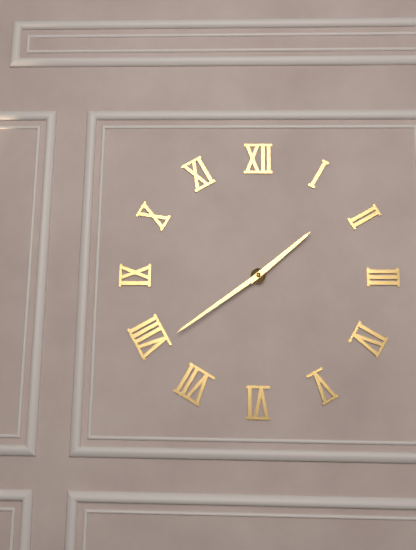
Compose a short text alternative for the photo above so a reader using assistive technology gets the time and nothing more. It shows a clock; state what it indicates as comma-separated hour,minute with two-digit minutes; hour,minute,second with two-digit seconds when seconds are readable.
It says 1,39
